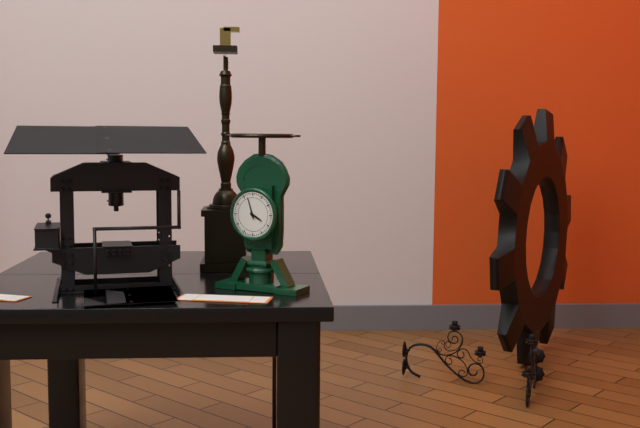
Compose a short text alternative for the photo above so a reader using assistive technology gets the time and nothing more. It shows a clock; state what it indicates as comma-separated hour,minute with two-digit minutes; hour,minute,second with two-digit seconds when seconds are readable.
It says 3,57
